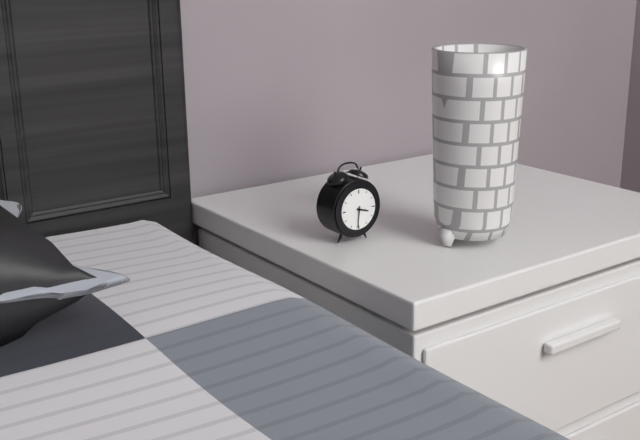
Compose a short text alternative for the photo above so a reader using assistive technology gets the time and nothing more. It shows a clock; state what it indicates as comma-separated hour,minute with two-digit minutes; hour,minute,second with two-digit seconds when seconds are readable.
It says 3,31
